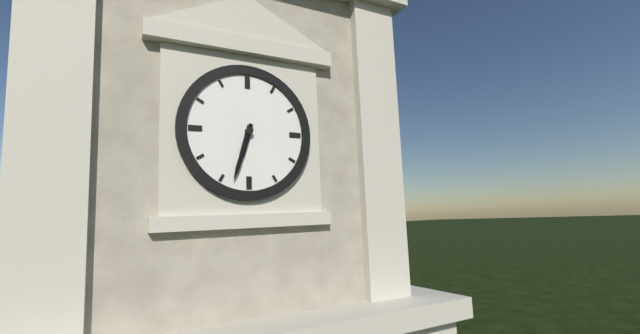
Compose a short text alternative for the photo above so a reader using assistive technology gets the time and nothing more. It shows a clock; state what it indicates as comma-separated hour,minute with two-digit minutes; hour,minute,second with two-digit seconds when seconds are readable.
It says 6,33
